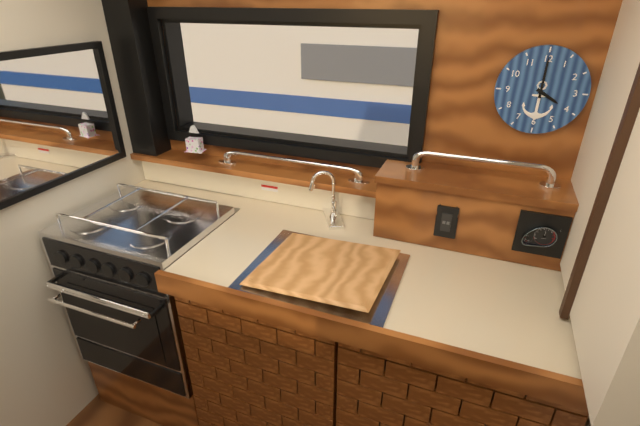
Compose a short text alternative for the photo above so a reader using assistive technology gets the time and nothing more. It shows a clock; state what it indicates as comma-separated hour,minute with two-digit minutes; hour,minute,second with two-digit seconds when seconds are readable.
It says 4,00
